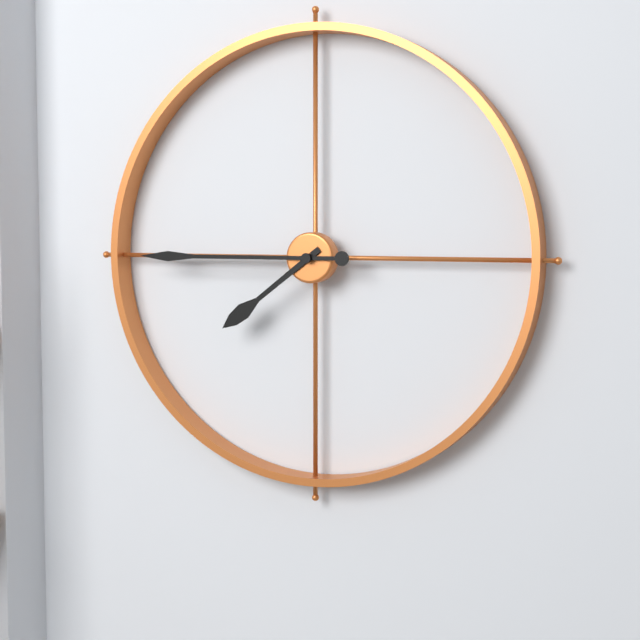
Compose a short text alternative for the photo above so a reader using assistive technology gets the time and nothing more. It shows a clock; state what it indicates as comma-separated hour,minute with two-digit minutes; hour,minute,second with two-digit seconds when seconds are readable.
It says 7,45
